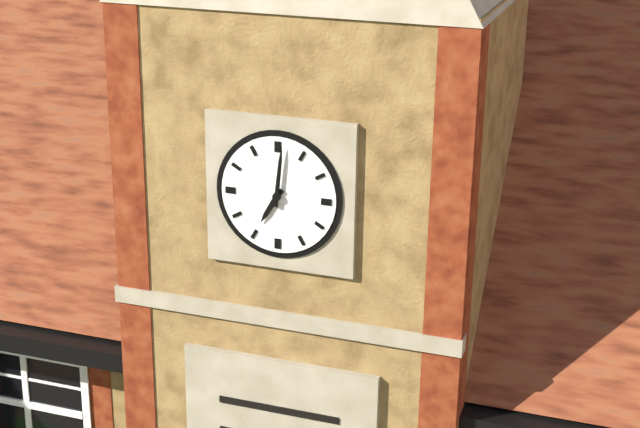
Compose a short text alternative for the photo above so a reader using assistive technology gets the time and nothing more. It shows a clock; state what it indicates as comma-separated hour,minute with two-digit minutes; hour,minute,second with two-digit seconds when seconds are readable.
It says 7,01
